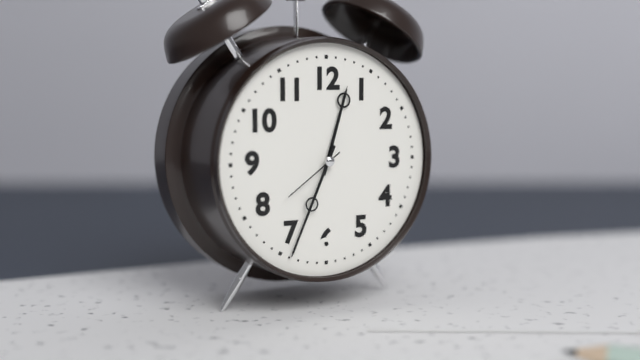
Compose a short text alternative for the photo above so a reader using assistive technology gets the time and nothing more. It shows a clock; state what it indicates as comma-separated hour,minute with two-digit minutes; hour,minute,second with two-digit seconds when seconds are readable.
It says 12,34,39
